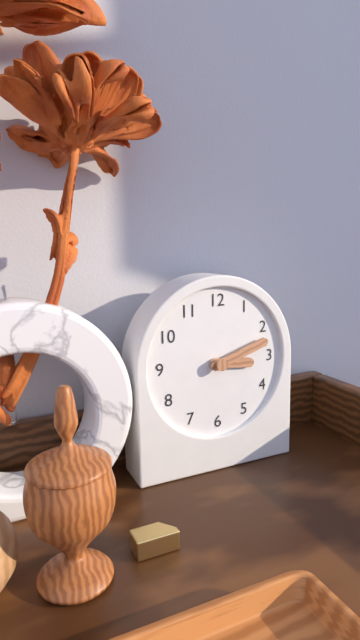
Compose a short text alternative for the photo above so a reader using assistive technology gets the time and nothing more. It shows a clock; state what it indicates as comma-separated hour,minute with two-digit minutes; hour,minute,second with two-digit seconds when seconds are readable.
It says 3,12
